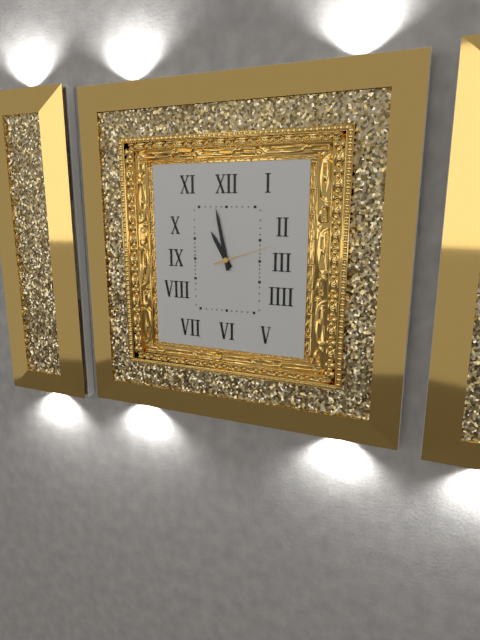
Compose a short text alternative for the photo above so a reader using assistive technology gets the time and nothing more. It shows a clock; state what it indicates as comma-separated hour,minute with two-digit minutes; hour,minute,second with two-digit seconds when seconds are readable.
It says 10,58,12
